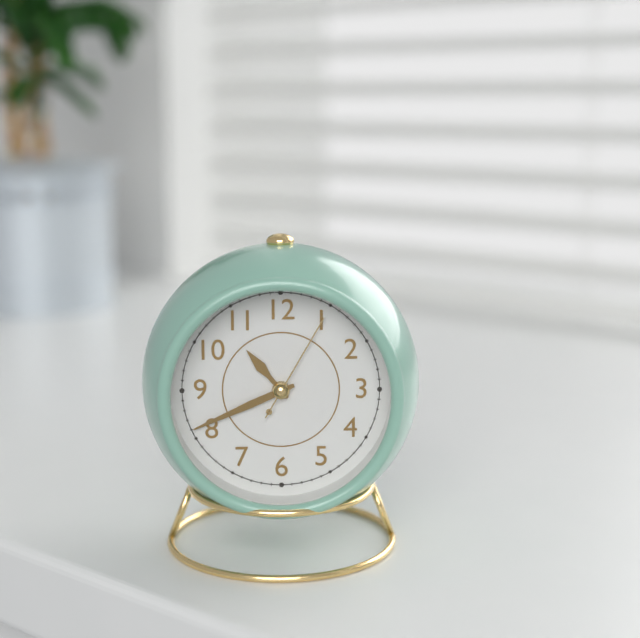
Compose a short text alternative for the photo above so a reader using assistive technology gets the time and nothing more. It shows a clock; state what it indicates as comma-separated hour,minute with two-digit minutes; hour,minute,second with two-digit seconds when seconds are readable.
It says 10,41,05
